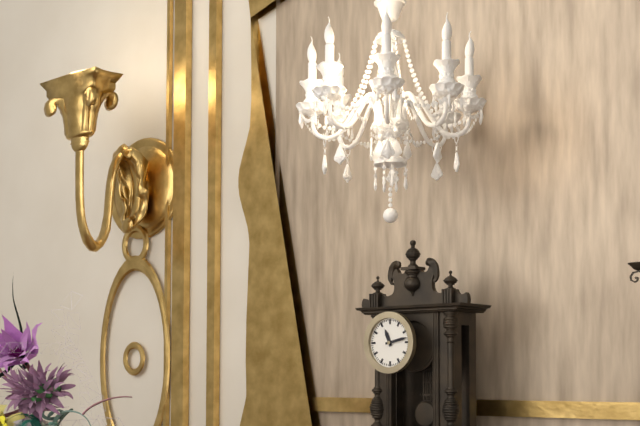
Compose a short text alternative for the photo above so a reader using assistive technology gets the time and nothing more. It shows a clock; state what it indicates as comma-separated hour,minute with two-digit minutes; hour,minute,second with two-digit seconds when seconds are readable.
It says 11,13
